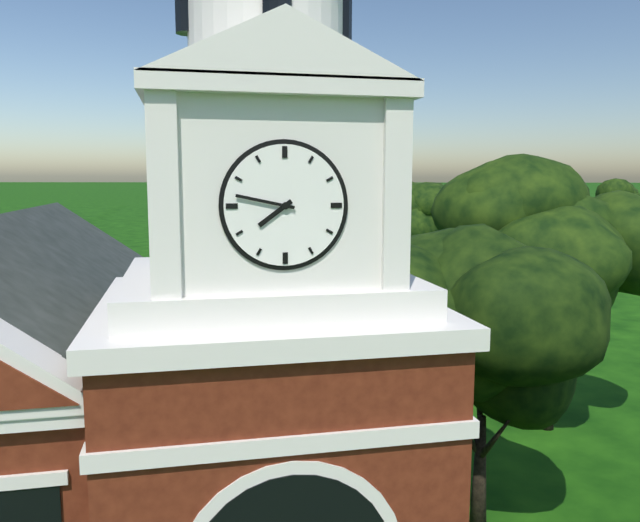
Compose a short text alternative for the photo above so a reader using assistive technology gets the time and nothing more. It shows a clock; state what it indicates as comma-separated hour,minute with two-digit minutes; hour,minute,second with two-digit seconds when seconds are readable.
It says 7,47
